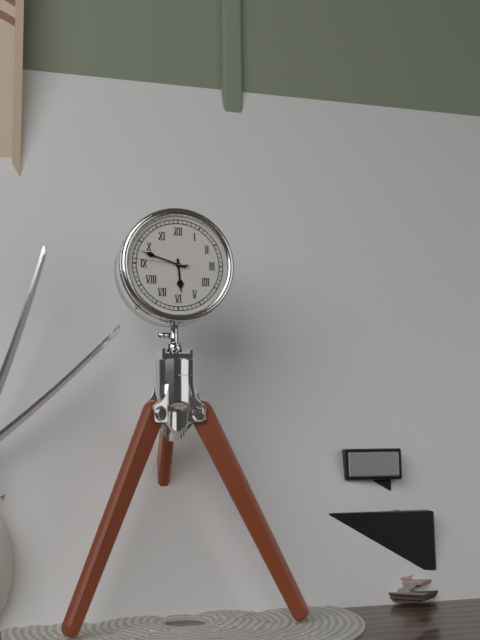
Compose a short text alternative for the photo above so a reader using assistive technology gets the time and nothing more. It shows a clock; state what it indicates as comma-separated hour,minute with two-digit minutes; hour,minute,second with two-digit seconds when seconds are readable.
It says 5,48,46
